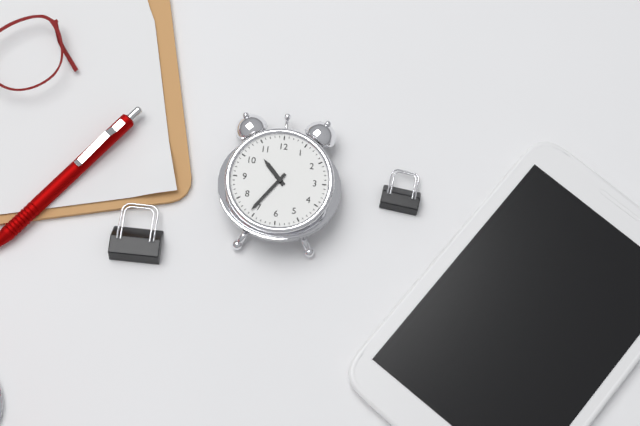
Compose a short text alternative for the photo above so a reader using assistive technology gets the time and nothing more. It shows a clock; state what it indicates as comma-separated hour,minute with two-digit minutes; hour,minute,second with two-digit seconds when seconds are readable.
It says 10,36
